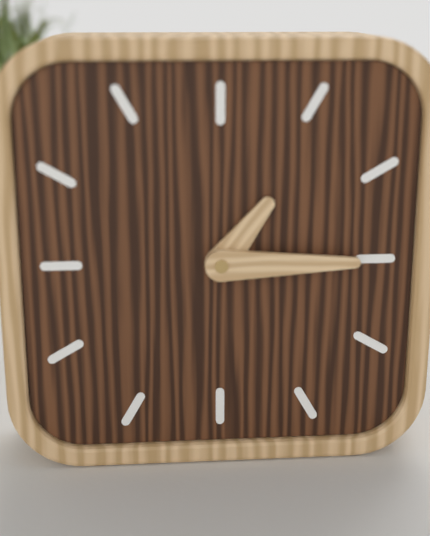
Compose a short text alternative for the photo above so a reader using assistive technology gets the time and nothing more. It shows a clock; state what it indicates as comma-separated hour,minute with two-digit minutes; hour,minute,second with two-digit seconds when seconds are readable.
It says 1,15
